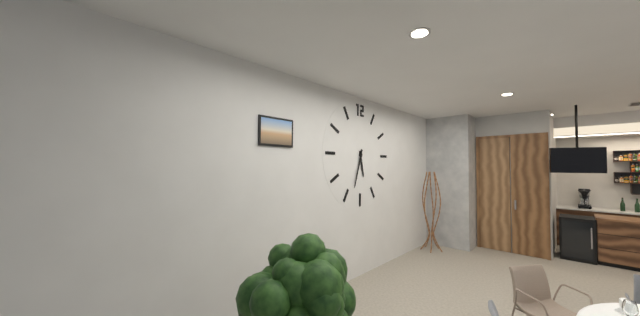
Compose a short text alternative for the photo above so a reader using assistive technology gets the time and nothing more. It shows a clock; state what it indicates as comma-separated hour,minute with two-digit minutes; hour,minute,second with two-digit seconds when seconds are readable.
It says 5,33
